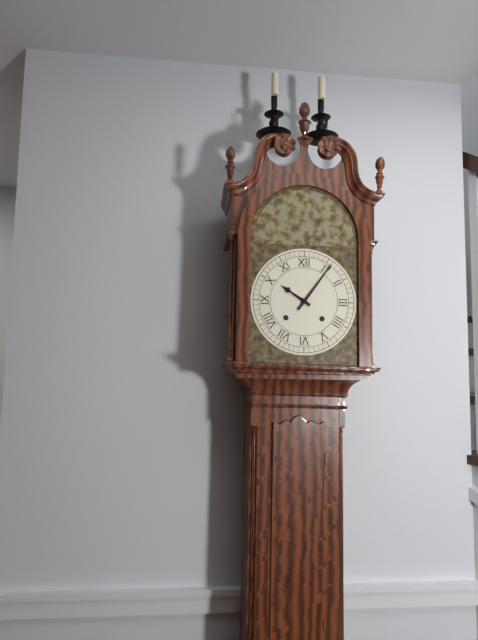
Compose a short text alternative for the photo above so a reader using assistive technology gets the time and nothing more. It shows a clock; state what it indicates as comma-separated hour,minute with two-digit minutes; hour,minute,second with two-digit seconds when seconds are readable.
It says 10,06
